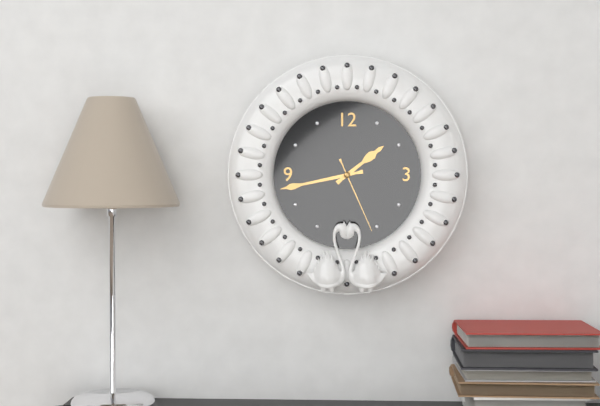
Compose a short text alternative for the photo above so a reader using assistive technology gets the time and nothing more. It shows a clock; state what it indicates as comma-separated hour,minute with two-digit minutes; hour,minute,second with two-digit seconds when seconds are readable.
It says 1,43,26
